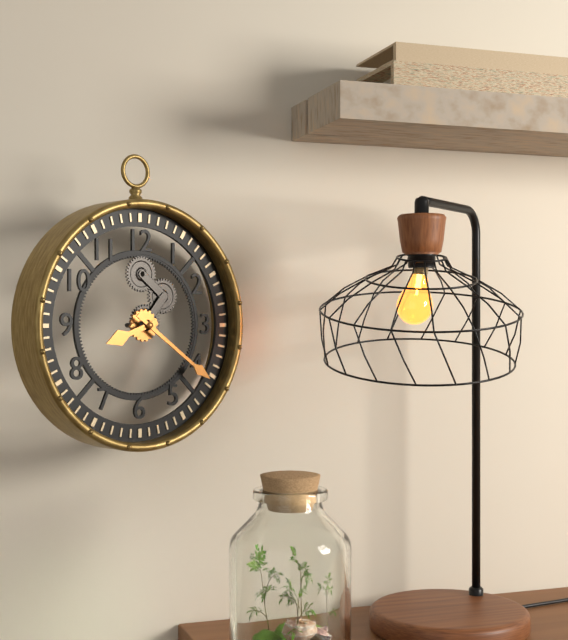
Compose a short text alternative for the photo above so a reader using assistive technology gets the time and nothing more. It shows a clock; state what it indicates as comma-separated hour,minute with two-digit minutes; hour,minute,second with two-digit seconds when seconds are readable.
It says 8,21
